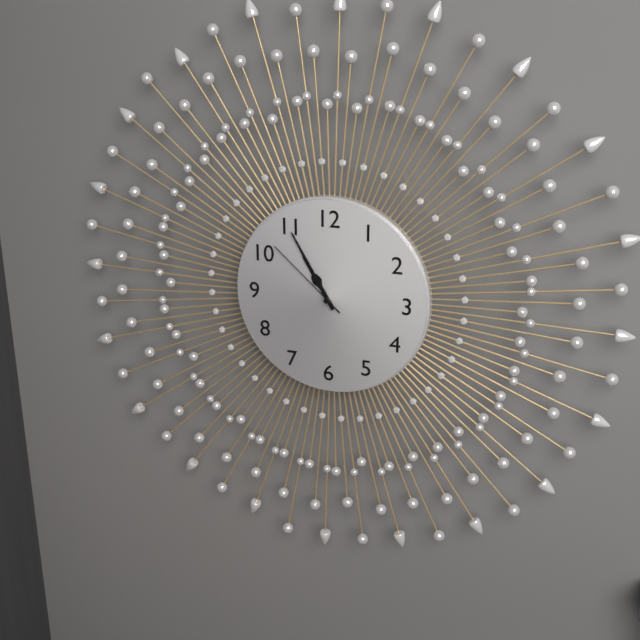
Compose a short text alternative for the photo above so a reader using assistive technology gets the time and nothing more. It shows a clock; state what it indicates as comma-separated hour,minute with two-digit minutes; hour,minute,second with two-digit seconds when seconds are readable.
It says 10,55,52
